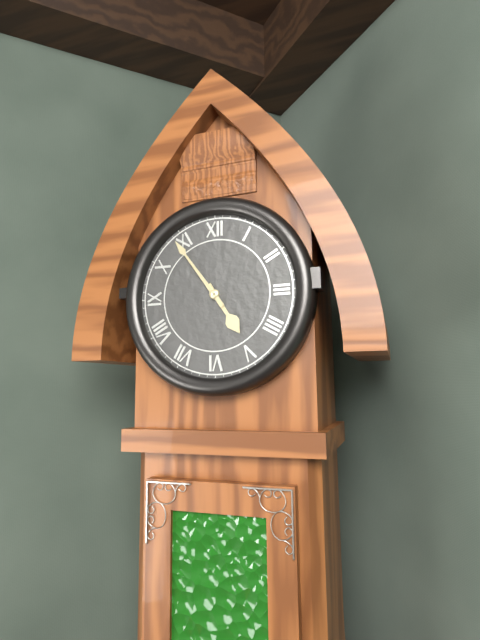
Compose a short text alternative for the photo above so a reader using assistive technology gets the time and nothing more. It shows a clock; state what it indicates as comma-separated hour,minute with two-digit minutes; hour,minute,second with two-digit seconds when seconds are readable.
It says 4,54
